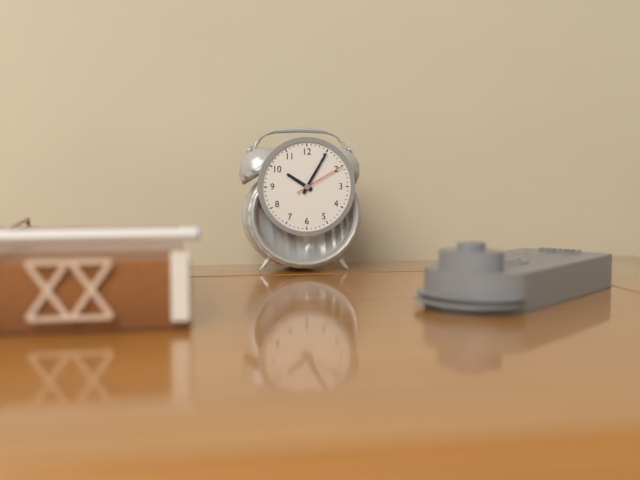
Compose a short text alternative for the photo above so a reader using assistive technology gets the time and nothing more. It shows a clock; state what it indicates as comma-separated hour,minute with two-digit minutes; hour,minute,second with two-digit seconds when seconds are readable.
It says 10,05,10
